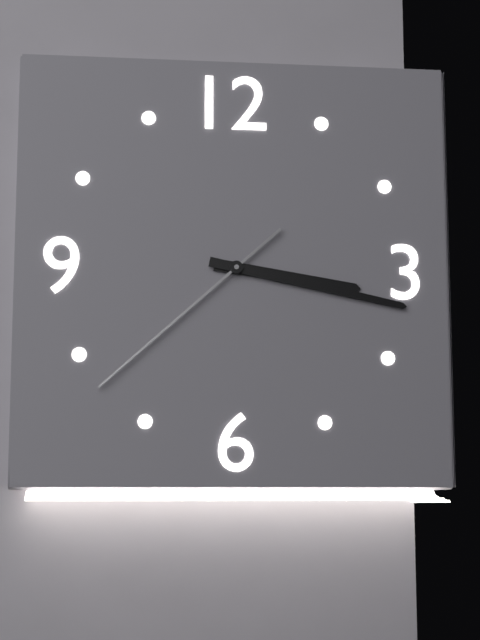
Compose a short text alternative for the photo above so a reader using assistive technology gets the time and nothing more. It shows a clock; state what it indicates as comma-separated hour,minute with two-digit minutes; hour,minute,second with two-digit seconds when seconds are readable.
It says 3,17,38
